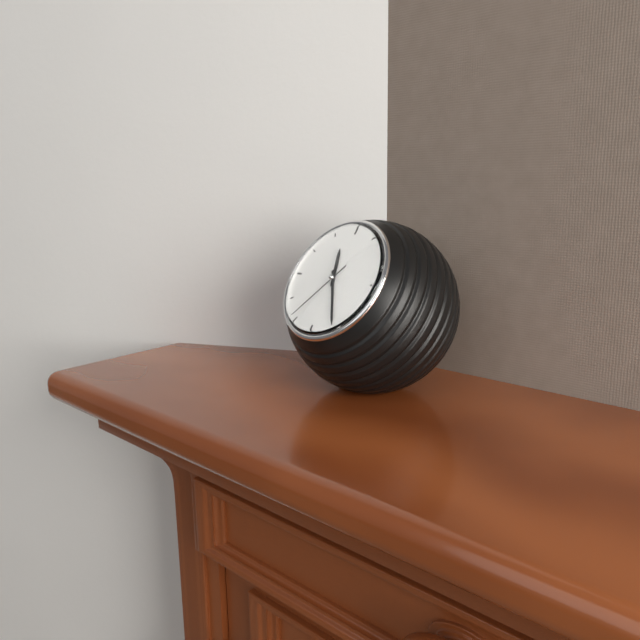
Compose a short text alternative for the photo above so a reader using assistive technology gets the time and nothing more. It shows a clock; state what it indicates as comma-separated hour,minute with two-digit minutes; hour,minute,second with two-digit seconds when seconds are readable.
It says 11,25,36
